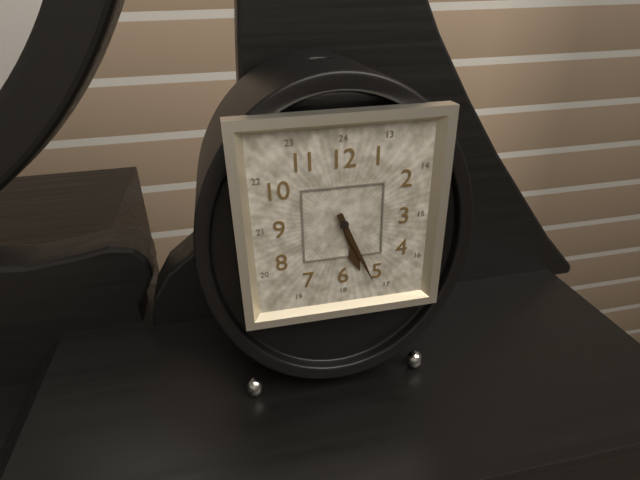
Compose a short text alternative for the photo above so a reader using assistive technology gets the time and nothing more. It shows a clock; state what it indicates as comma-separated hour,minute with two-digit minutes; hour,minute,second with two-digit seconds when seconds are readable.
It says 5,26
